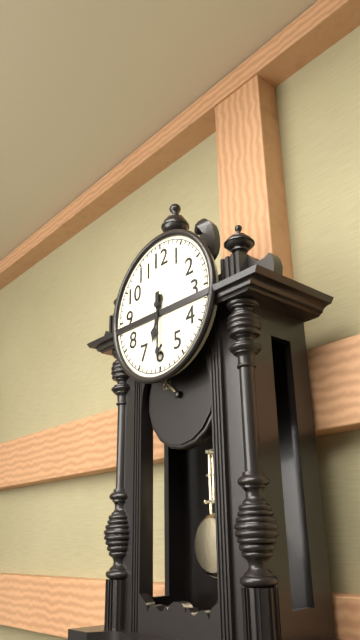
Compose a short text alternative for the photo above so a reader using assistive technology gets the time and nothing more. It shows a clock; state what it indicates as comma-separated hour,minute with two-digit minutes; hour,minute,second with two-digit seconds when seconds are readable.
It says 6,30
